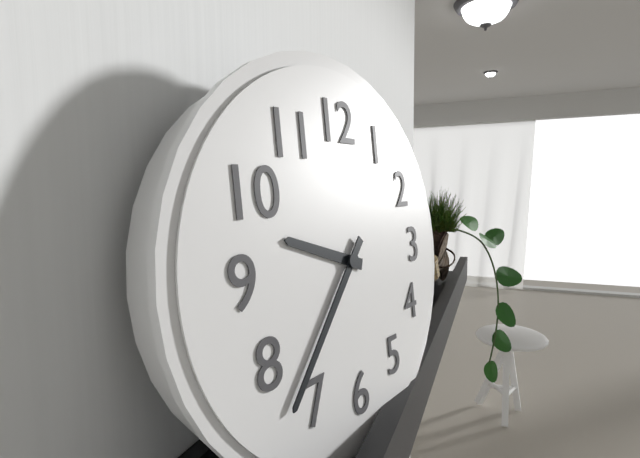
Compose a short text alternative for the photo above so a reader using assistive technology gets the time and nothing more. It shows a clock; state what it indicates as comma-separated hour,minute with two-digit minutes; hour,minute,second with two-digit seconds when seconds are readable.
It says 9,37
